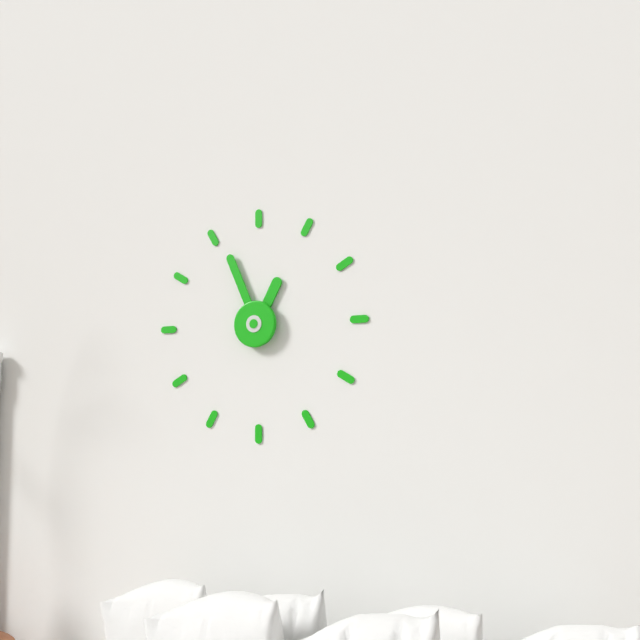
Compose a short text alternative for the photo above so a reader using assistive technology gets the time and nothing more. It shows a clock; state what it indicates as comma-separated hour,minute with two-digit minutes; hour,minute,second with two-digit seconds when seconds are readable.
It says 12,56
